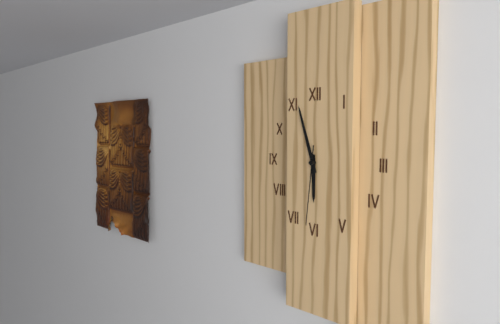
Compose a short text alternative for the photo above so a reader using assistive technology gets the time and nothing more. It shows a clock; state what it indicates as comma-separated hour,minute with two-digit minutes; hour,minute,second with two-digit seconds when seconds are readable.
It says 5,57,31
